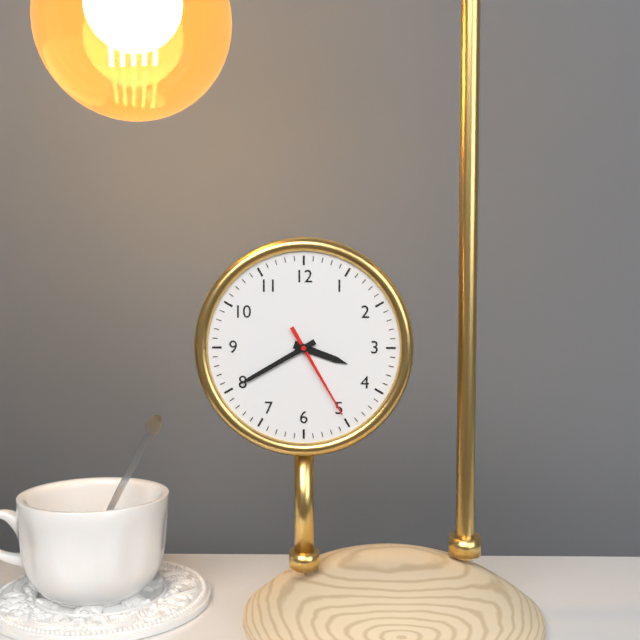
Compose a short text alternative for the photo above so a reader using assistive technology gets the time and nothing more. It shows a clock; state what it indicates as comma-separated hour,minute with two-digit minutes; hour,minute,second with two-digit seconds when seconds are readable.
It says 3,40,25
